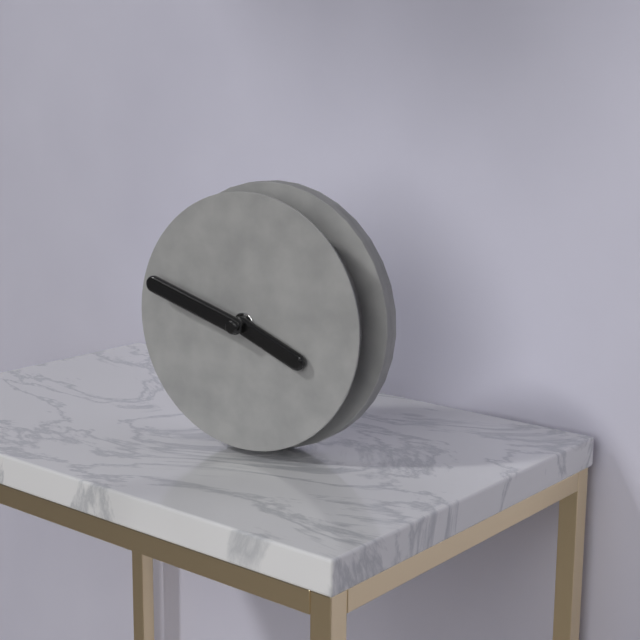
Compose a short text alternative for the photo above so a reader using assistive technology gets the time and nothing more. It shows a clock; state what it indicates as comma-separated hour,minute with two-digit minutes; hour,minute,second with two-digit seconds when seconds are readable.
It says 3,48
